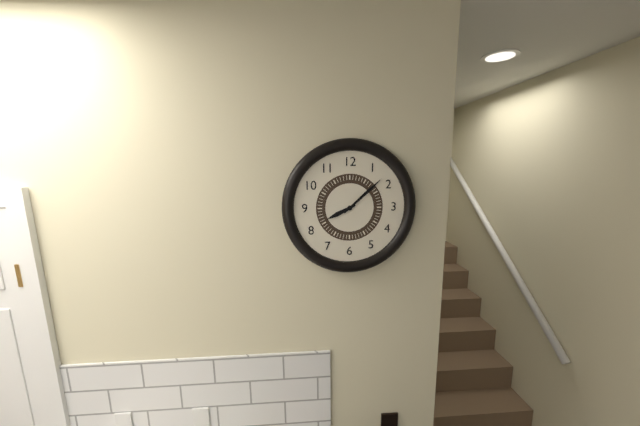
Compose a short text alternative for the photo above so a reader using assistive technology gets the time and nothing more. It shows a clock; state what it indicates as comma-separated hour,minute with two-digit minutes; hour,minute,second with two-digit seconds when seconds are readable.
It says 8,08
